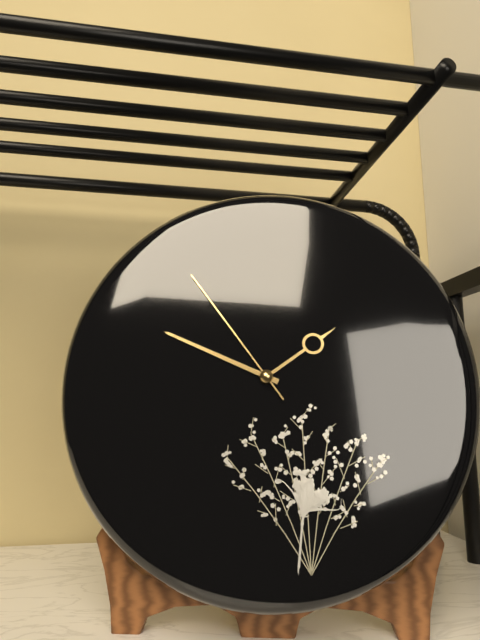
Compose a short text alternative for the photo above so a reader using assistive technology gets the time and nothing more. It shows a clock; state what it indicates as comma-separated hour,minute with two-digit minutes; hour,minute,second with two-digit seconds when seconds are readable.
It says 1,49,54
